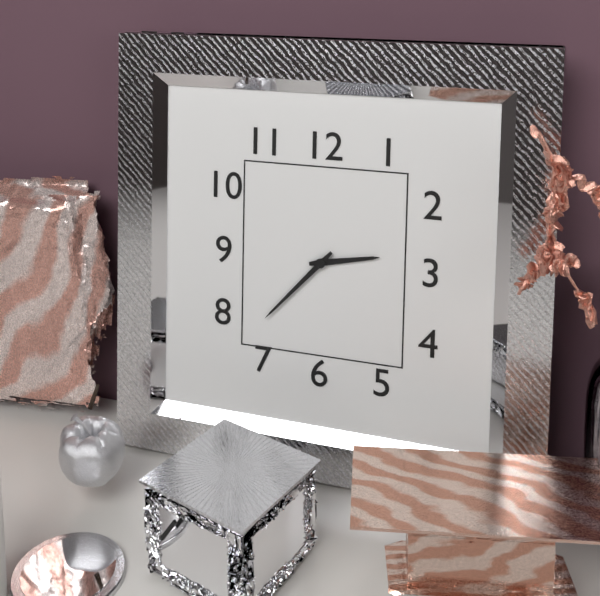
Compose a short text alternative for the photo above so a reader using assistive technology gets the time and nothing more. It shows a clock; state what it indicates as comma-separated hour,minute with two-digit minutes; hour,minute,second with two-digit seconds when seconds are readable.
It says 2,37
